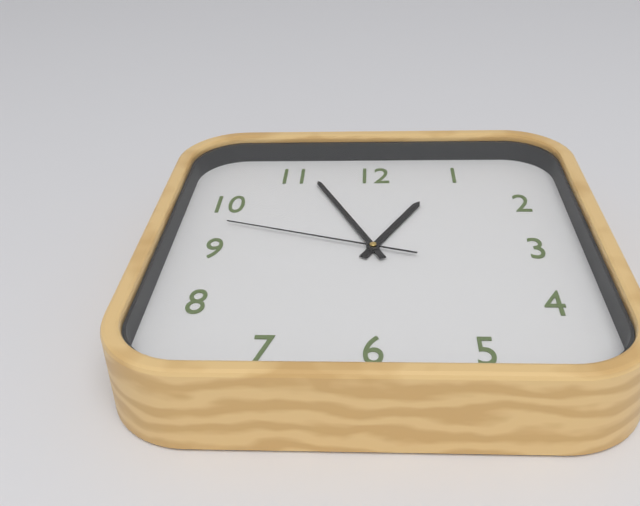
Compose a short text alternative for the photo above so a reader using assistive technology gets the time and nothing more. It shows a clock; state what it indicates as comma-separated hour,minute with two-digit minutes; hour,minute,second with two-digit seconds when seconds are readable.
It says 12,56,48
